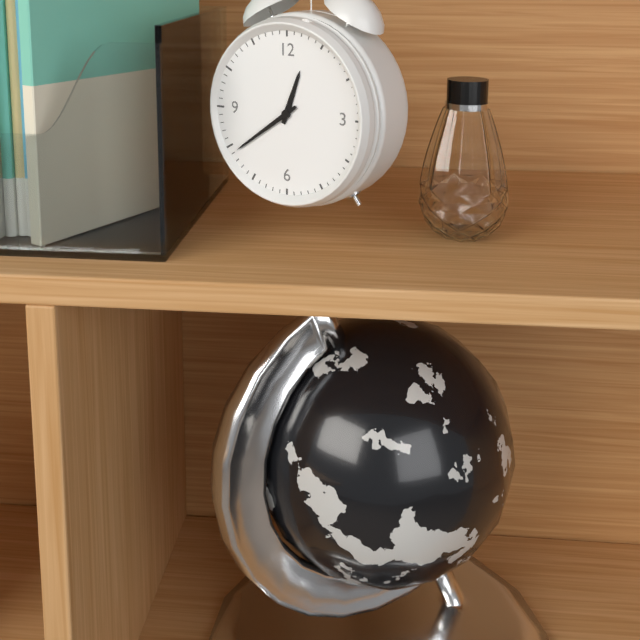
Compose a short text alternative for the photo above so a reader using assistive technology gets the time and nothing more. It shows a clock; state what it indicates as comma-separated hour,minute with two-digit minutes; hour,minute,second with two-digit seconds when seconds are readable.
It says 12,39
